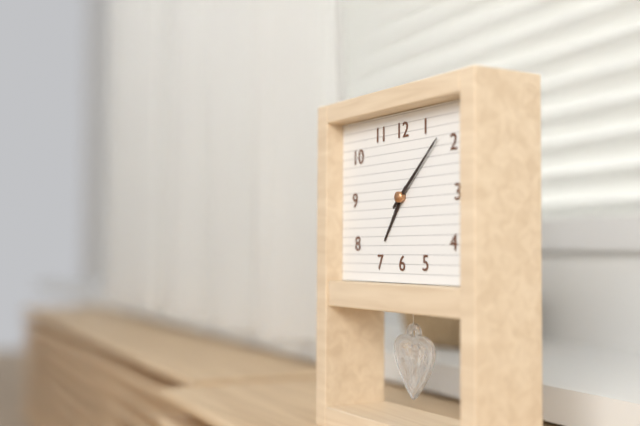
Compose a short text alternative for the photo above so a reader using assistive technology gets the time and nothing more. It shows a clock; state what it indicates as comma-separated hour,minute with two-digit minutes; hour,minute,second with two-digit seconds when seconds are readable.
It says 7,08
